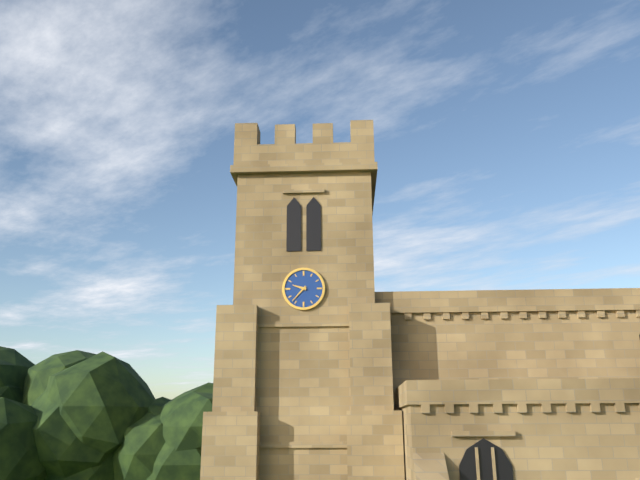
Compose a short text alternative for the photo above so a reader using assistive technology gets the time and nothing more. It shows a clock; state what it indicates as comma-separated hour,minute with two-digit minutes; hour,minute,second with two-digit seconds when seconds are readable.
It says 9,37
